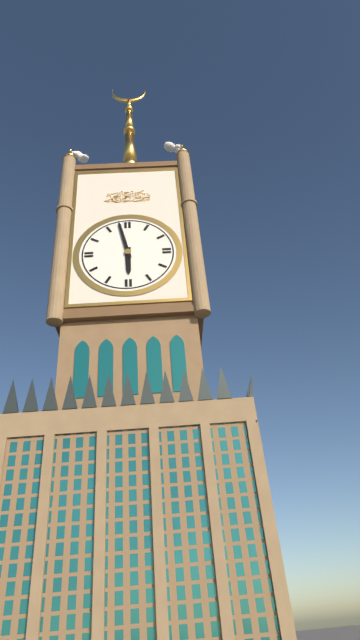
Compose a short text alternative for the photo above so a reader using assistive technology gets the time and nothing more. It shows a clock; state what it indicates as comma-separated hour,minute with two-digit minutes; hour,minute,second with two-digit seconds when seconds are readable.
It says 5,58
